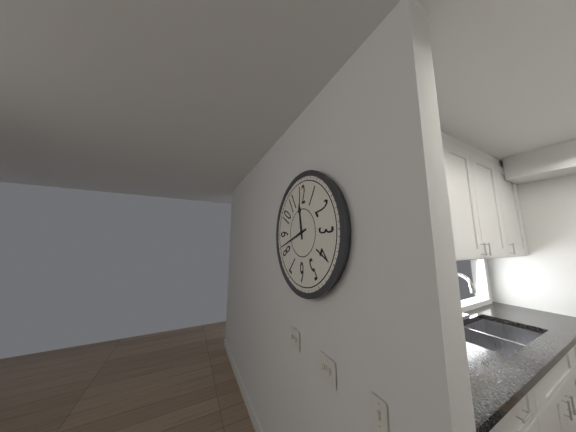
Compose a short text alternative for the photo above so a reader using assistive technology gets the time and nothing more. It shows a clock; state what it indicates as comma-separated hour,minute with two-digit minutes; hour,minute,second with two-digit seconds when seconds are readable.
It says 11,42
